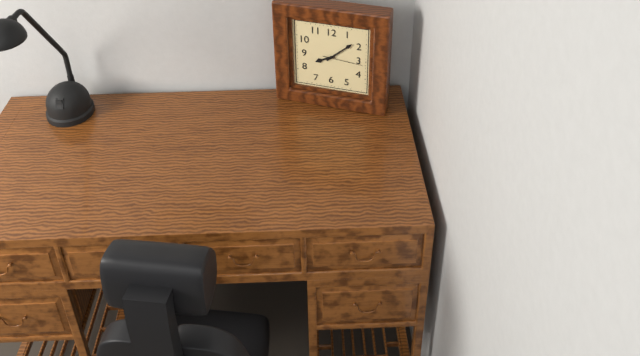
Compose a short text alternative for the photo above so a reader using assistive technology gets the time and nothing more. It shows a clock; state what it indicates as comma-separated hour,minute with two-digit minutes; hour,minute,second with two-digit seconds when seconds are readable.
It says 8,08
